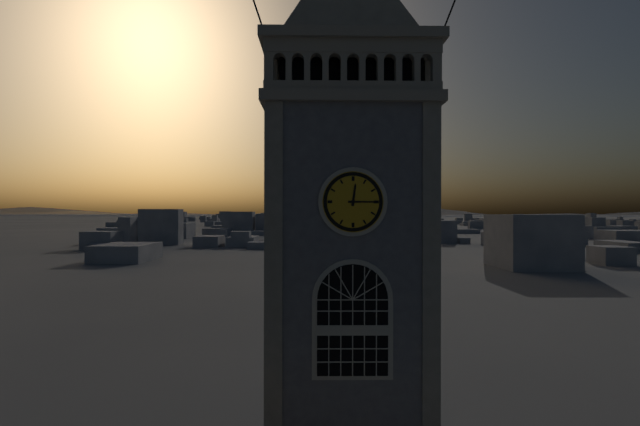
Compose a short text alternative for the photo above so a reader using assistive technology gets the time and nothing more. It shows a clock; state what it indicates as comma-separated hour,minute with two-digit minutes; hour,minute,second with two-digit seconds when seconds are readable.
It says 12,15
